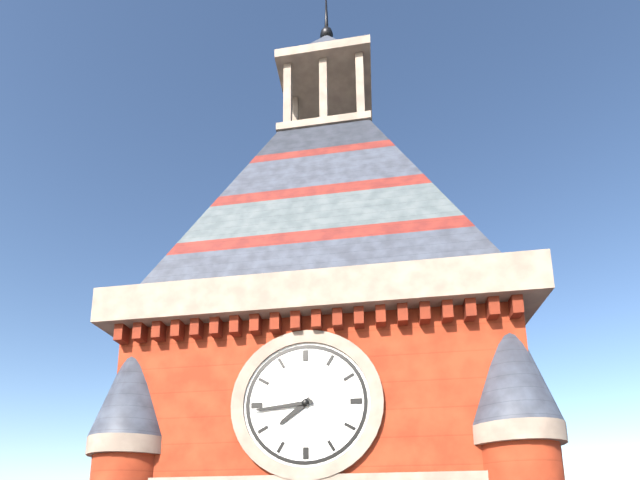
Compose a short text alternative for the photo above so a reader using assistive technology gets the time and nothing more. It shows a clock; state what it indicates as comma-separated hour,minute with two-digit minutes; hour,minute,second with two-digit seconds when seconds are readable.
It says 7,44
